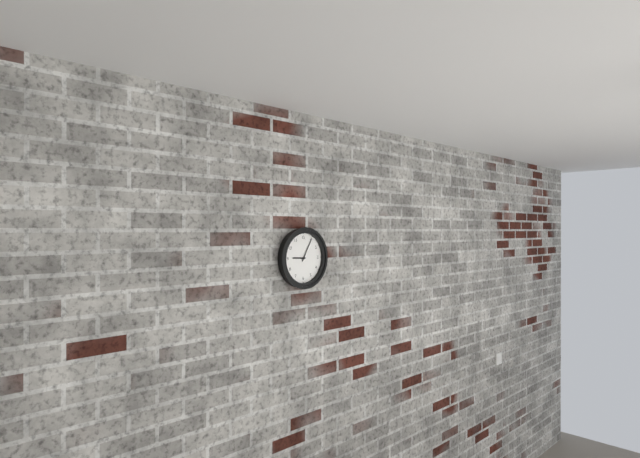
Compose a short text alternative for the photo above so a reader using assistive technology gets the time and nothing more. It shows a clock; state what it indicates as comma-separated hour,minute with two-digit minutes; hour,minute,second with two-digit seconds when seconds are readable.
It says 9,05
